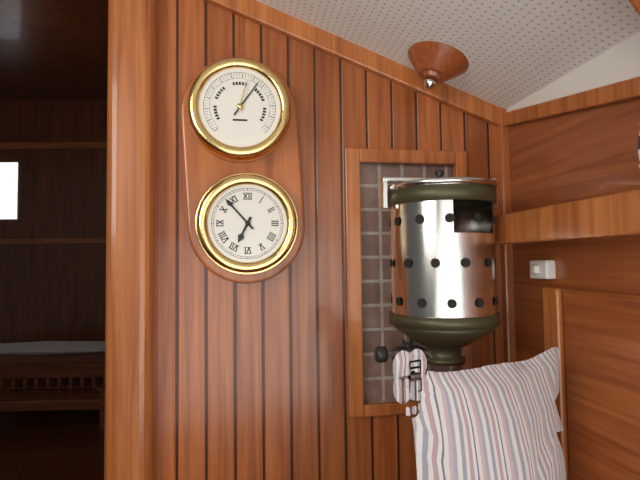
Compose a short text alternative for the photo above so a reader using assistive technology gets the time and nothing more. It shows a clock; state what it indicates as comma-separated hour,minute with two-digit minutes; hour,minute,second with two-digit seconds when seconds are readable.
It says 6,53
